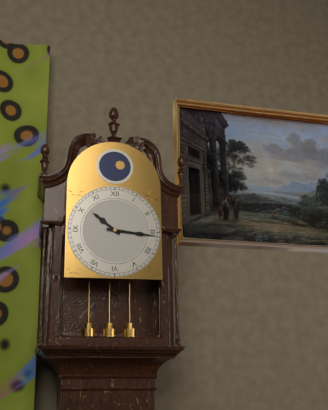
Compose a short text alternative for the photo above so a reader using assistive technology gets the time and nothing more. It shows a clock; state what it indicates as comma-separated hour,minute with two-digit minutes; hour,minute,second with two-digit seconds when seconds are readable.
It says 10,16
